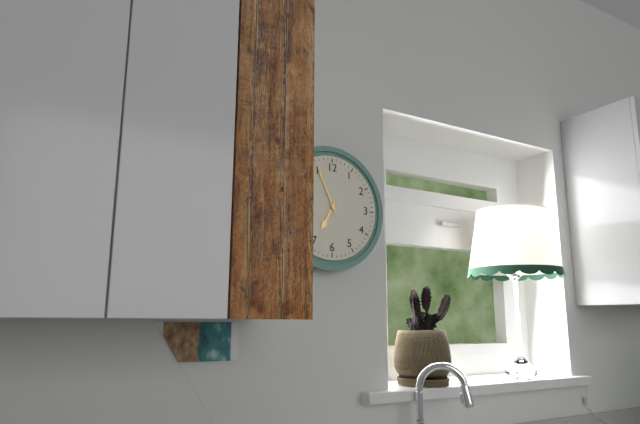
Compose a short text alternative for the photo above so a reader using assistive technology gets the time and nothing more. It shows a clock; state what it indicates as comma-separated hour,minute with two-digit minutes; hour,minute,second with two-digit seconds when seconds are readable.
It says 6,56
